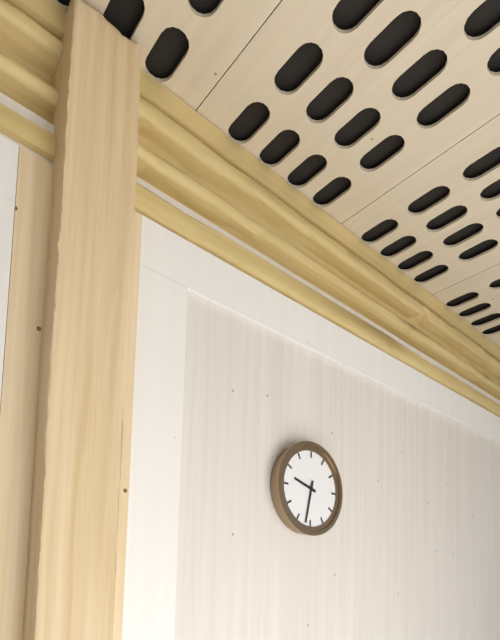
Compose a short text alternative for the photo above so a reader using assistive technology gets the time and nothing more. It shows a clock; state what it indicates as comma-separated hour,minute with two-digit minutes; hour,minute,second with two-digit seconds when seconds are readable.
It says 9,32
